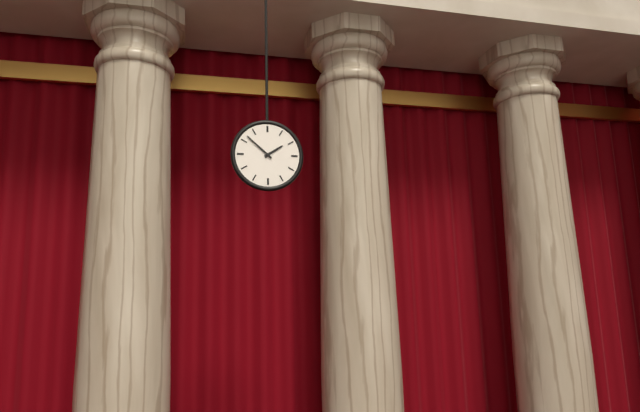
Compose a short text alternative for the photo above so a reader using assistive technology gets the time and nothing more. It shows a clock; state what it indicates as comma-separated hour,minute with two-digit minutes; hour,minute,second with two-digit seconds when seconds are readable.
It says 1,52
